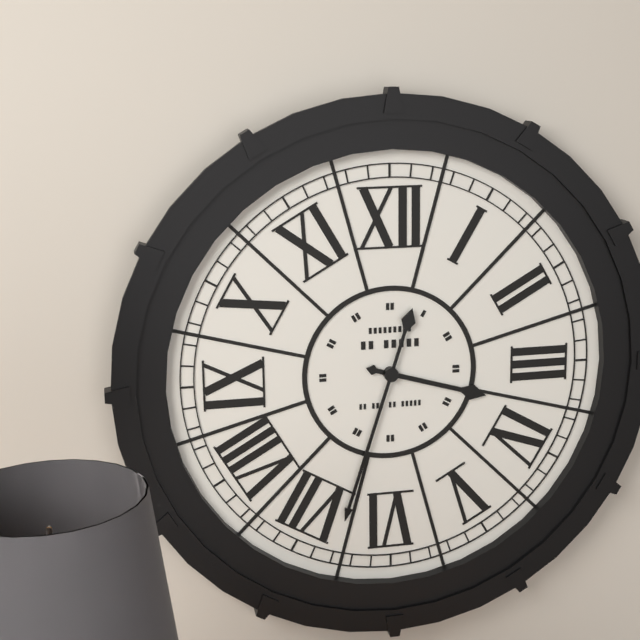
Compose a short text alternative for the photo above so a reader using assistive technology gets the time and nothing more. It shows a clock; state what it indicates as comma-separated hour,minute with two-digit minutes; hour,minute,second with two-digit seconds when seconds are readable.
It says 3,33
